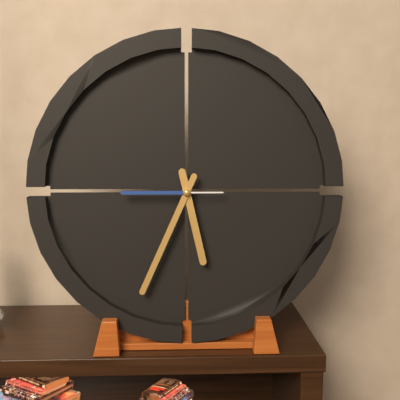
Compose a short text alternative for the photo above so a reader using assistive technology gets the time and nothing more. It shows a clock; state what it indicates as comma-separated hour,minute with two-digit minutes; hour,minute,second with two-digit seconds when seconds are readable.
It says 5,34,45
